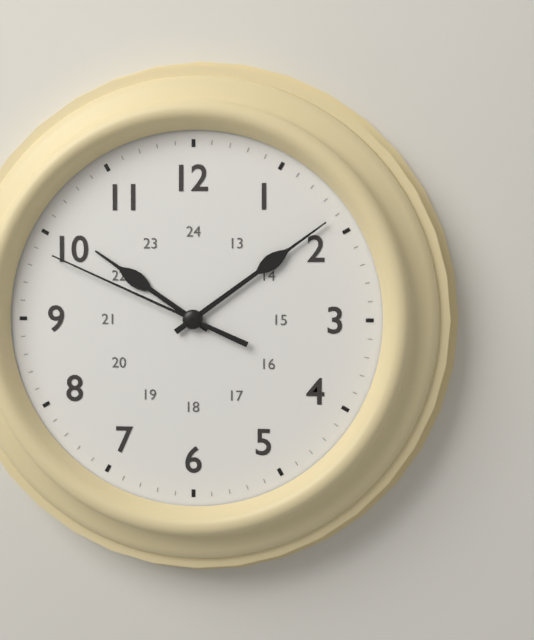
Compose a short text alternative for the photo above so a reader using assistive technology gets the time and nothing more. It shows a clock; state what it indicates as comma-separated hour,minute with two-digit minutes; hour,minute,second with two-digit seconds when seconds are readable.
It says 10,09,49
